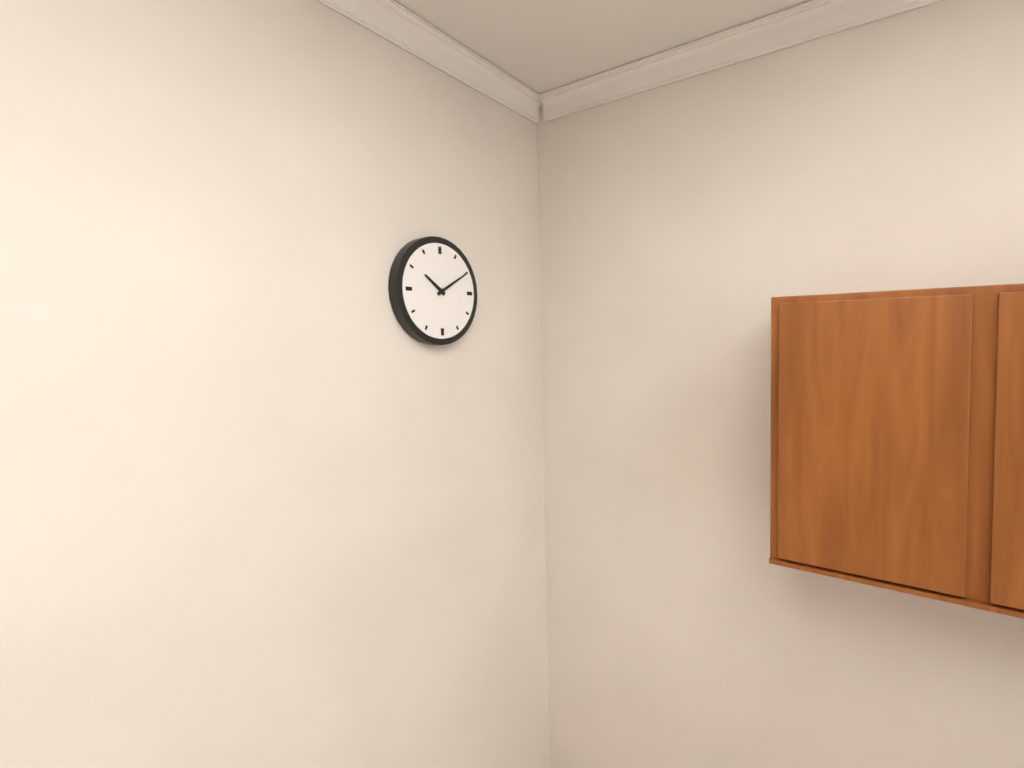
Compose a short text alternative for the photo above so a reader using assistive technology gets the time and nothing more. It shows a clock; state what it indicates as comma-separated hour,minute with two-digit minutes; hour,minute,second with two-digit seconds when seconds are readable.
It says 10,10
